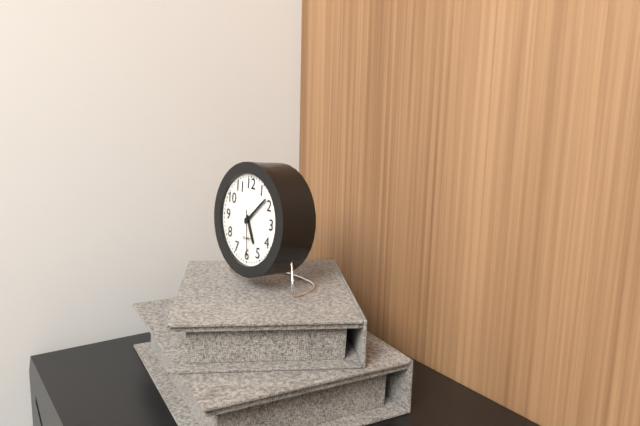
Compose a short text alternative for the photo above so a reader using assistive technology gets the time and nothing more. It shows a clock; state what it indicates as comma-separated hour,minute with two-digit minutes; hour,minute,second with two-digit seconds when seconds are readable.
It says 5,08
